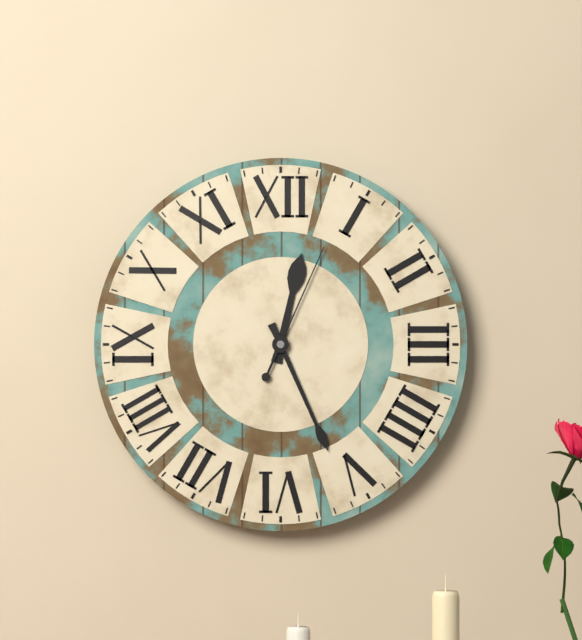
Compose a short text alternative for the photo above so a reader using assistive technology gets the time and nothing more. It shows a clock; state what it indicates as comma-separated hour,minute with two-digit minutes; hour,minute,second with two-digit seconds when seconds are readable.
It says 12,26,04
